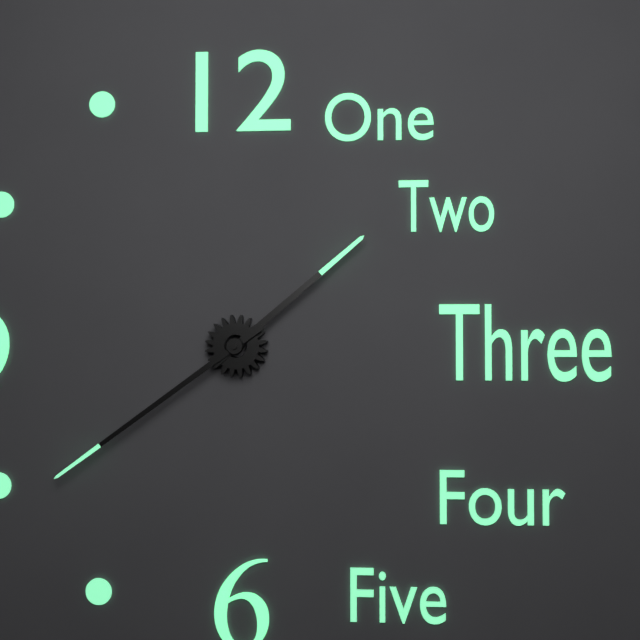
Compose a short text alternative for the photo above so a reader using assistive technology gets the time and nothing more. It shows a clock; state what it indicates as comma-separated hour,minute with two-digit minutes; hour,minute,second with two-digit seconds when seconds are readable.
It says 1,39
